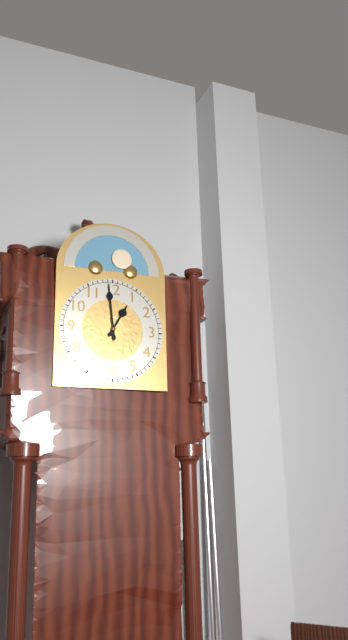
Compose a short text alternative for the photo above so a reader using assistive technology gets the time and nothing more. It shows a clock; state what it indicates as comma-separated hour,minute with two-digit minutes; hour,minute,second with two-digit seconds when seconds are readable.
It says 12,59
